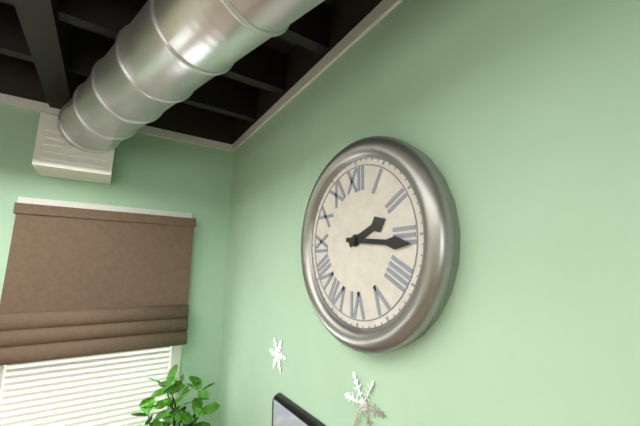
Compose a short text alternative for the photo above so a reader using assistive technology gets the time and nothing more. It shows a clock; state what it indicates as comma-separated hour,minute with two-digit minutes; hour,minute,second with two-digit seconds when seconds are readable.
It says 2,16
